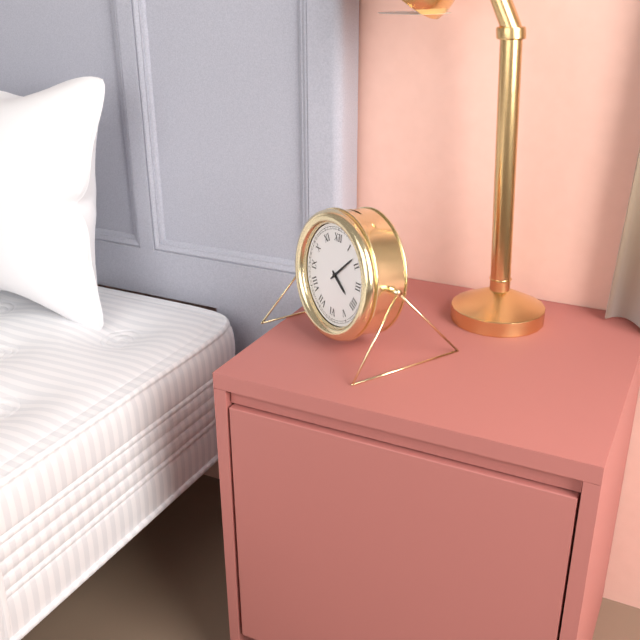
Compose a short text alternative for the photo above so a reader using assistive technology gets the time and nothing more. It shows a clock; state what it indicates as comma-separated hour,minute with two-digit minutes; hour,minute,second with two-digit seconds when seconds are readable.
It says 4,08
